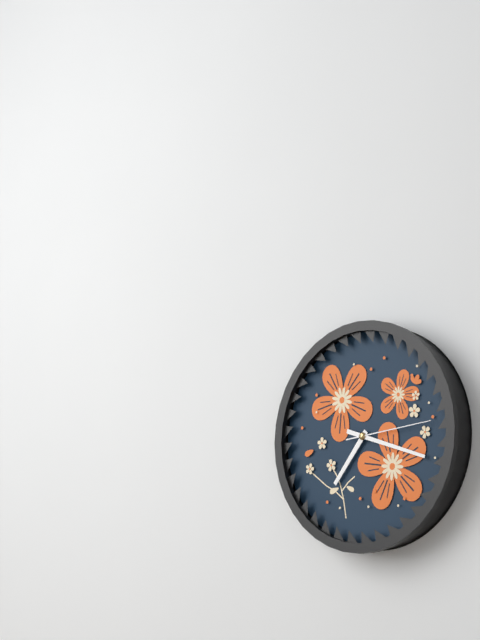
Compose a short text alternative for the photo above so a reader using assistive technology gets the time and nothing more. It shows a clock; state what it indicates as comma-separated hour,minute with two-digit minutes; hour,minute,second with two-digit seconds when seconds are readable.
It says 7,18,14
